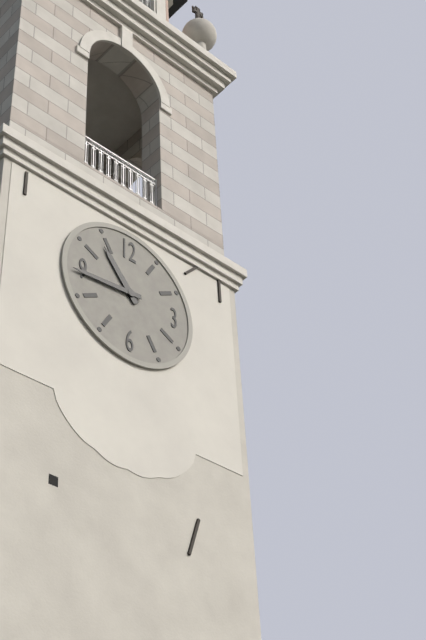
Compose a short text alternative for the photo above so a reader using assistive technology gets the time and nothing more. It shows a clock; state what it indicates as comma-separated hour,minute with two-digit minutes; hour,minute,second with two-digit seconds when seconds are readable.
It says 10,44
